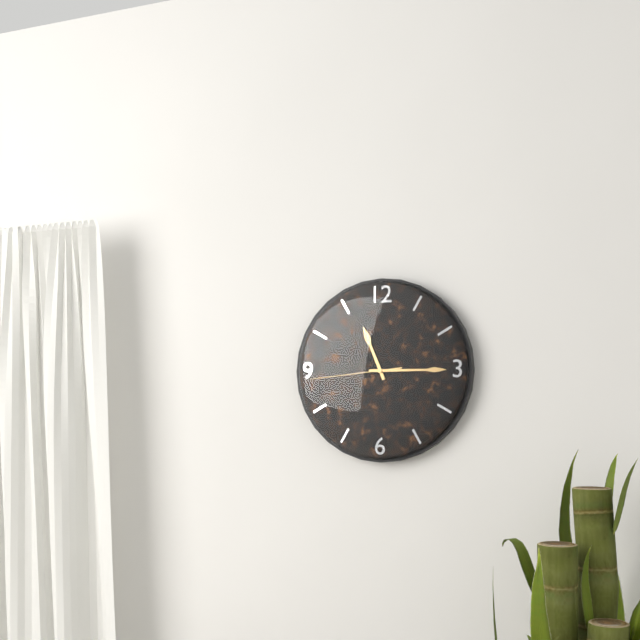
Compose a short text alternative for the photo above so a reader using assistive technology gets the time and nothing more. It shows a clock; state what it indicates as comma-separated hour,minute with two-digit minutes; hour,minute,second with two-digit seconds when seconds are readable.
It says 11,15,44
